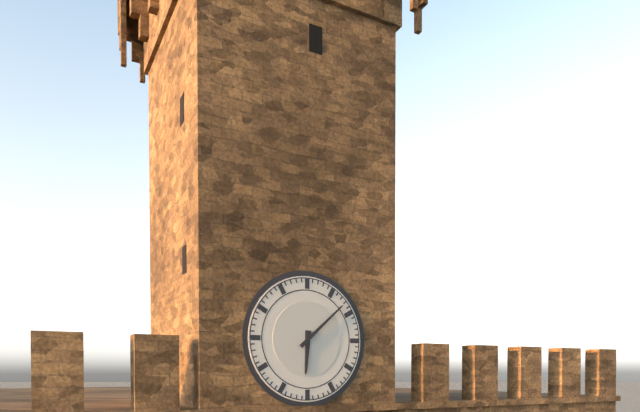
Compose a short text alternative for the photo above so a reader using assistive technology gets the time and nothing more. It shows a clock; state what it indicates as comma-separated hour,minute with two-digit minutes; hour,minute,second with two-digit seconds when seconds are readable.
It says 6,08
